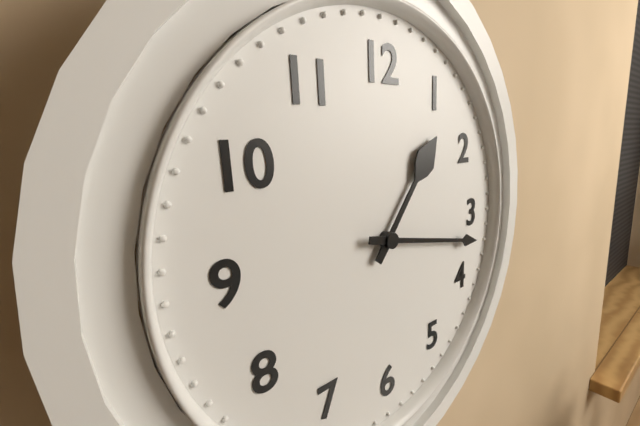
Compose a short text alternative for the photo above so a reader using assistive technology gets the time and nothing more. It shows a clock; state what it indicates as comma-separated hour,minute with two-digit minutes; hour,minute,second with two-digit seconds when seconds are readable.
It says 1,17
